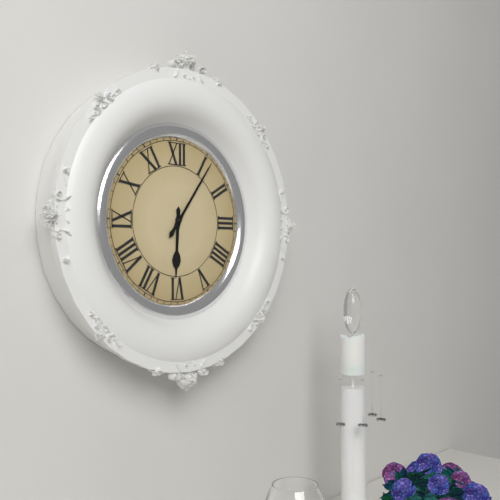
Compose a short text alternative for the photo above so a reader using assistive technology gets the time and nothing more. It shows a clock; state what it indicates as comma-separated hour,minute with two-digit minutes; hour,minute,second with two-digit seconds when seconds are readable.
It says 6,06
